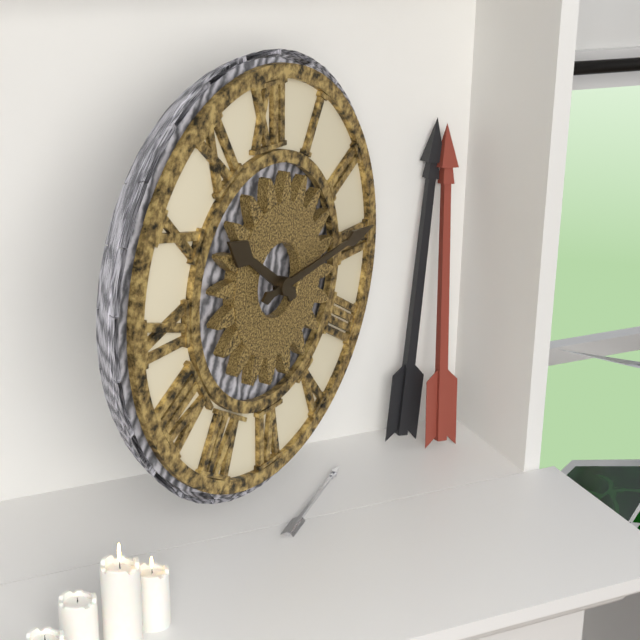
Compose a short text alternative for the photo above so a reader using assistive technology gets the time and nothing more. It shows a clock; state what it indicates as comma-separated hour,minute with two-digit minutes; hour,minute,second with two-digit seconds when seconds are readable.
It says 10,14
